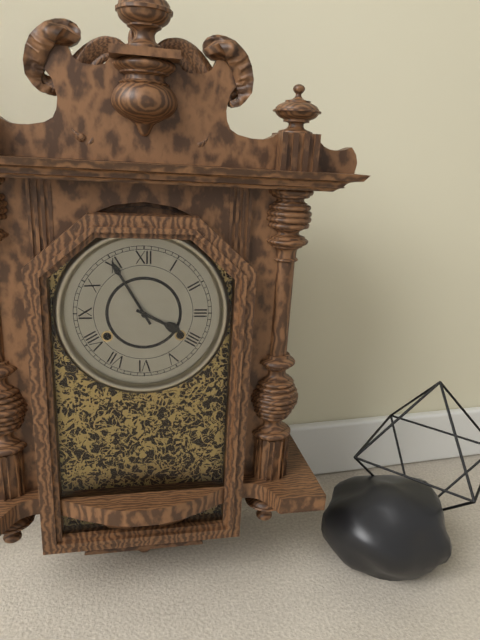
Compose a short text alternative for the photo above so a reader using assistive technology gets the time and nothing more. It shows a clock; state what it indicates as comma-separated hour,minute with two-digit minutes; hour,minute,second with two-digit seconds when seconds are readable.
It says 3,55
